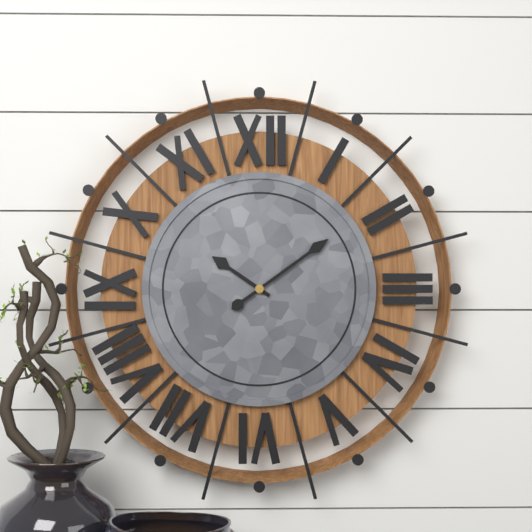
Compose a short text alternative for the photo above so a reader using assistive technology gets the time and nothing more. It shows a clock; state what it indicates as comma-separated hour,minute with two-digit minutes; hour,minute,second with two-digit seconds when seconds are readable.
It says 10,09
